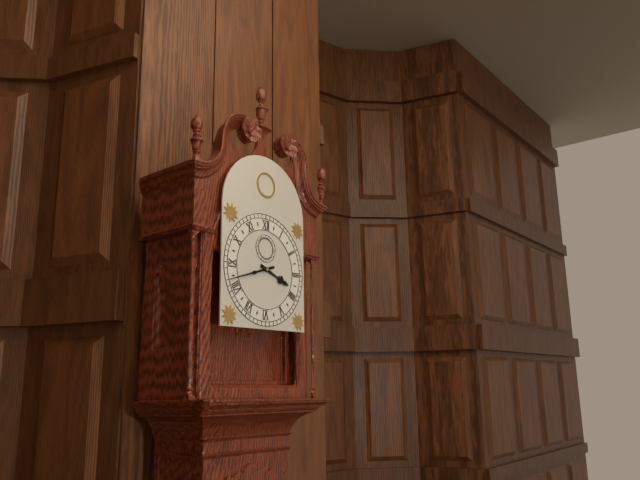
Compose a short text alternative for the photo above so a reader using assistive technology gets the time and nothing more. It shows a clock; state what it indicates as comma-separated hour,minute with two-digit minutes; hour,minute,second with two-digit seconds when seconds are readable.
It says 3,42
